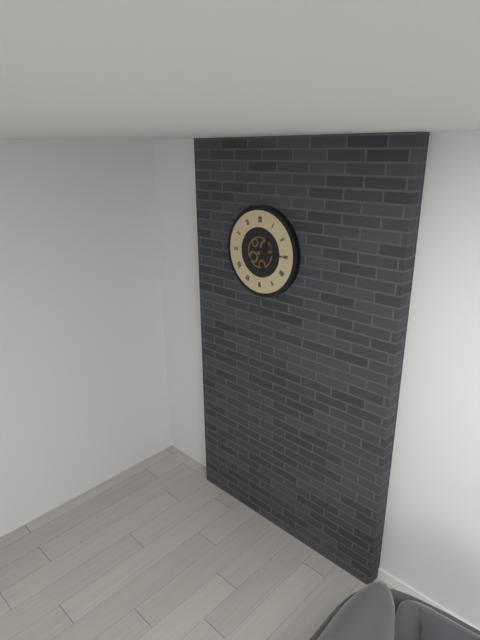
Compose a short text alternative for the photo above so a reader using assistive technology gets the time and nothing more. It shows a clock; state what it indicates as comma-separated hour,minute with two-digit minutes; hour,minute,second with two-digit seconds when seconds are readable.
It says 1,15
